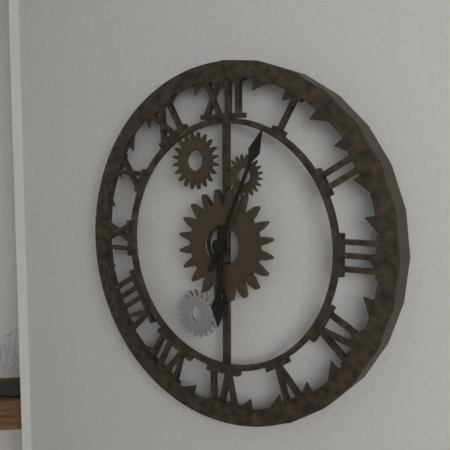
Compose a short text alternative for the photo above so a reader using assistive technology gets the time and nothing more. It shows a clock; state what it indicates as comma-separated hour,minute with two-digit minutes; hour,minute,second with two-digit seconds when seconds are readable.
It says 6,04
